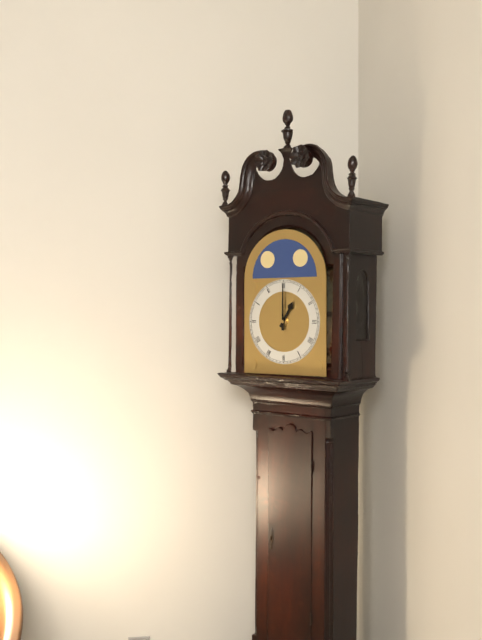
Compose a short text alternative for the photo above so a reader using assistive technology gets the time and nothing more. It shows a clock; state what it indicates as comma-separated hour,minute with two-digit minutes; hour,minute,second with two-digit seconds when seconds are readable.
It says 1,00
